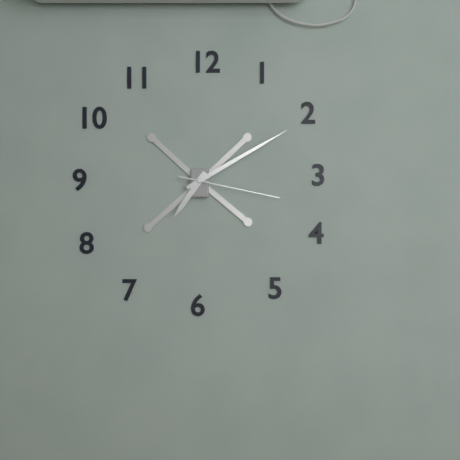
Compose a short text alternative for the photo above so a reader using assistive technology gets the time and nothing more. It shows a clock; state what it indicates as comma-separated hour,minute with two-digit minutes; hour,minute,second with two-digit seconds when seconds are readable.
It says 7,10,17
